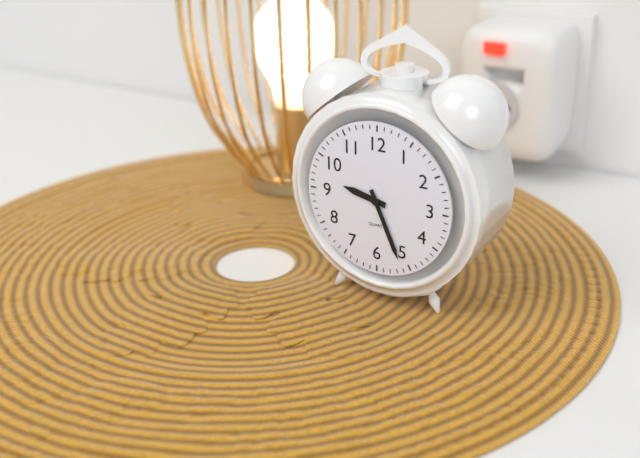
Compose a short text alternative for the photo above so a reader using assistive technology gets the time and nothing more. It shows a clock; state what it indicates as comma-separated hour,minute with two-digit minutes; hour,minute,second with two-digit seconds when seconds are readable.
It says 9,26
